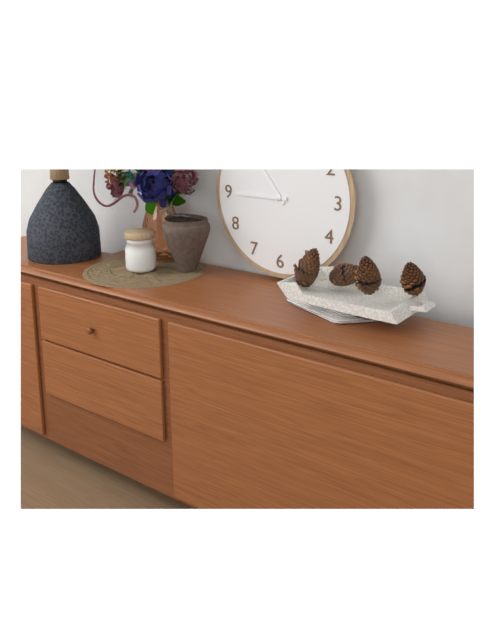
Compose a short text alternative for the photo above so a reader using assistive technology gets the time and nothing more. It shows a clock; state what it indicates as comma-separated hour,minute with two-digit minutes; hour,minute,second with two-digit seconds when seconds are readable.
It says 10,45
